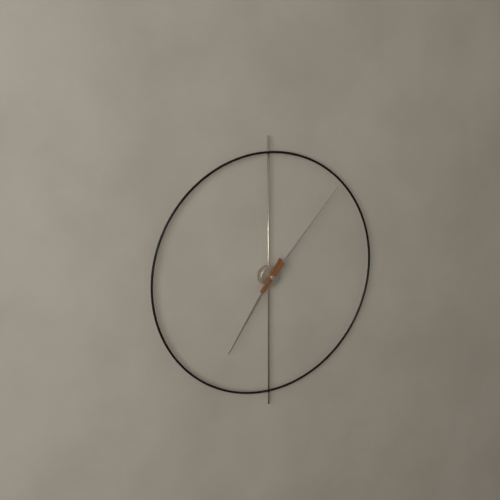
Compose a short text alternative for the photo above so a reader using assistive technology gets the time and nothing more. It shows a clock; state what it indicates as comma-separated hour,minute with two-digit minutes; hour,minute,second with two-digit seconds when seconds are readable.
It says 7,07
